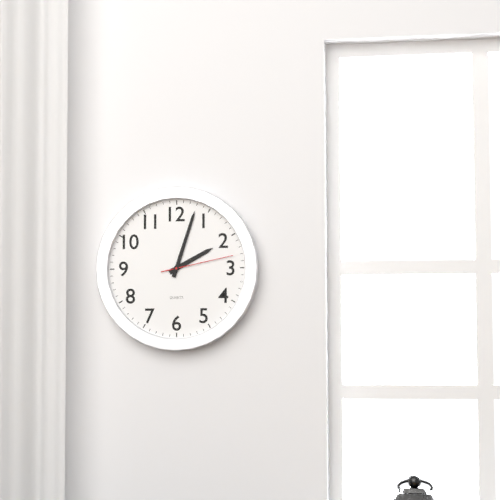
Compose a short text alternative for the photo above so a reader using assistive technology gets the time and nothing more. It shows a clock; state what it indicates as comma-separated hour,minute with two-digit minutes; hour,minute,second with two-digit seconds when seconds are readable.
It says 2,03,13
